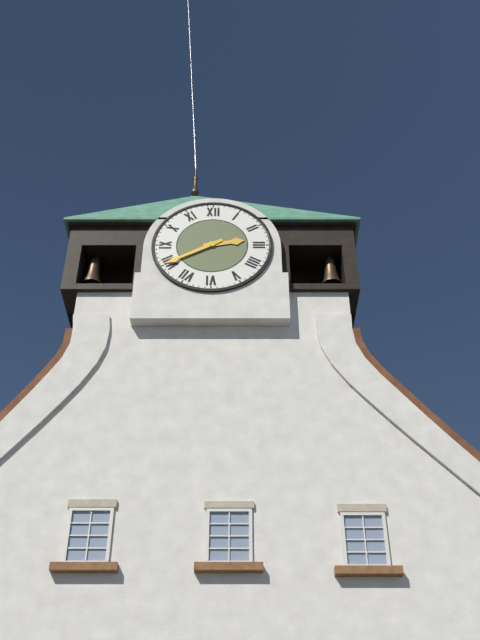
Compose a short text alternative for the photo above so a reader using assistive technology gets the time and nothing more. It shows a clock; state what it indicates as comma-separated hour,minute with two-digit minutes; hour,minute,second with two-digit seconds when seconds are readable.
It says 2,40
